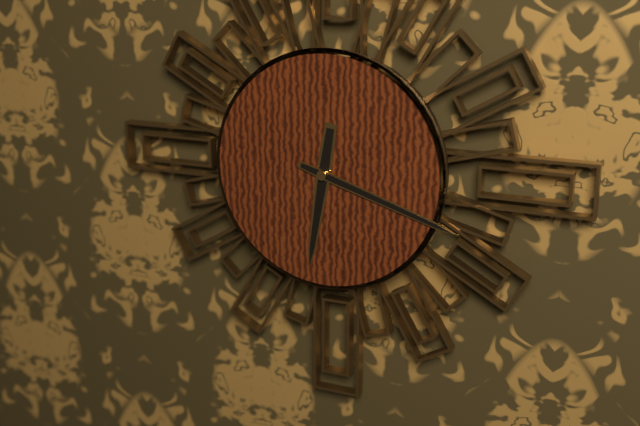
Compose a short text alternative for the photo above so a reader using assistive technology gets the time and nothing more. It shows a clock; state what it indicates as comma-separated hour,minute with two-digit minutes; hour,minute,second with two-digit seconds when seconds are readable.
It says 6,18
